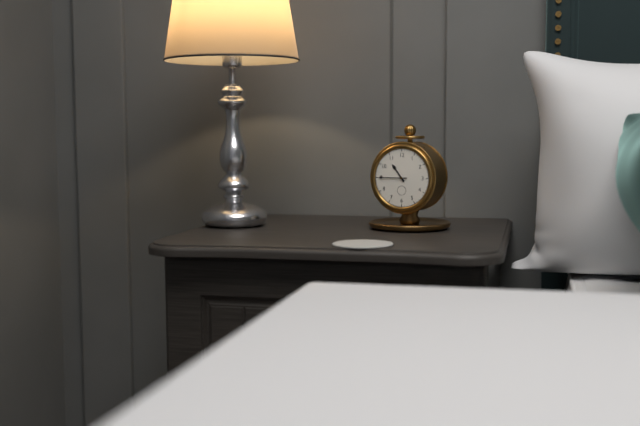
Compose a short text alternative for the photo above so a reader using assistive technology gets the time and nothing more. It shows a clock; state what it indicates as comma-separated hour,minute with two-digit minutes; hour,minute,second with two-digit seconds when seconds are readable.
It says 10,45
